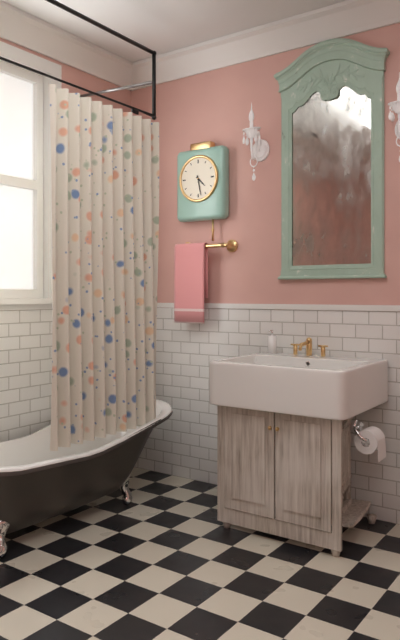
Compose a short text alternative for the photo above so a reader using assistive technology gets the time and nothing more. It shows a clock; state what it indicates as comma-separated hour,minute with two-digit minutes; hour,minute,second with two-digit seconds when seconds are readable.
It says 4,28
